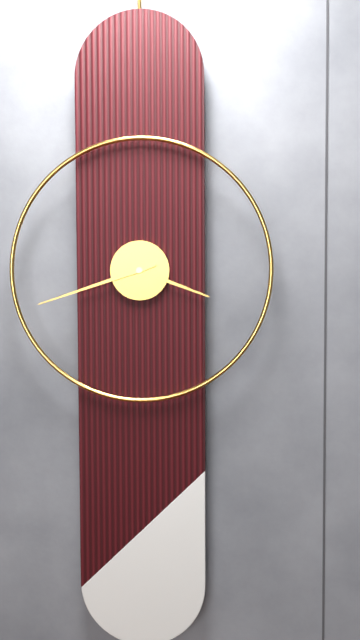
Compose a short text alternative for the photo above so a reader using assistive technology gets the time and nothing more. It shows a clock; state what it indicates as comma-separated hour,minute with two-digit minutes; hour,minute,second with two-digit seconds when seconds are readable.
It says 3,42
